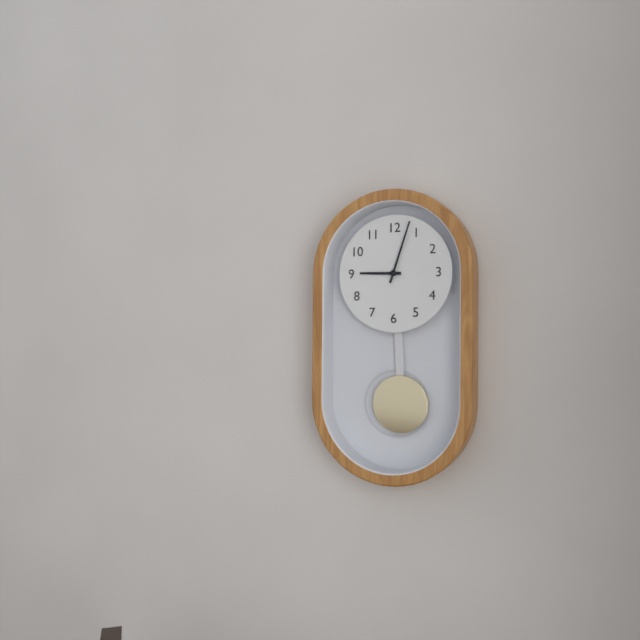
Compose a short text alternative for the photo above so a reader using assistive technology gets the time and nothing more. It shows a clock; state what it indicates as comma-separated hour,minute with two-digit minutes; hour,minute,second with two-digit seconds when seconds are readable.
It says 9,03
